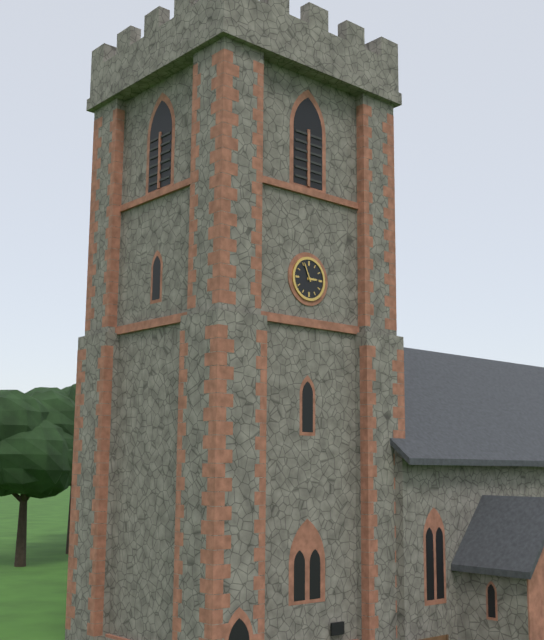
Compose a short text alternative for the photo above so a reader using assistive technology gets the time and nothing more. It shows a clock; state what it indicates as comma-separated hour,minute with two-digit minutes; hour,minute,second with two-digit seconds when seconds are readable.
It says 2,56
